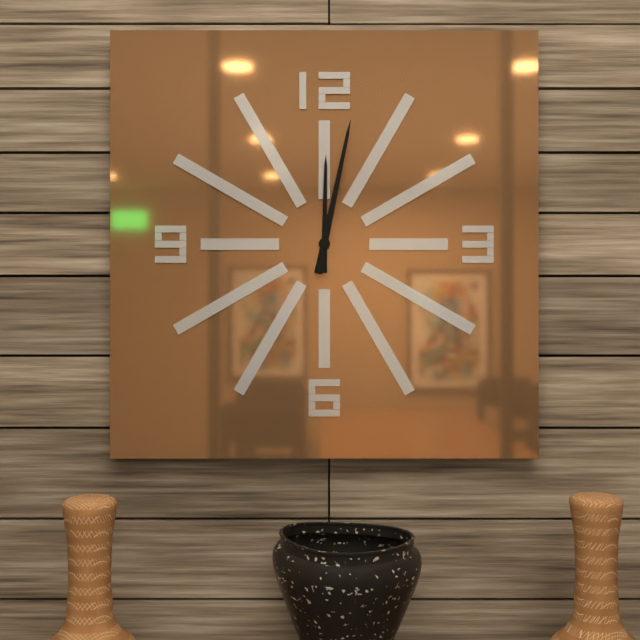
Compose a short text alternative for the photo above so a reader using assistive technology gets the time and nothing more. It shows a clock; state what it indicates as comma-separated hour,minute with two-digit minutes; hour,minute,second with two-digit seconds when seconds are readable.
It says 12,02
